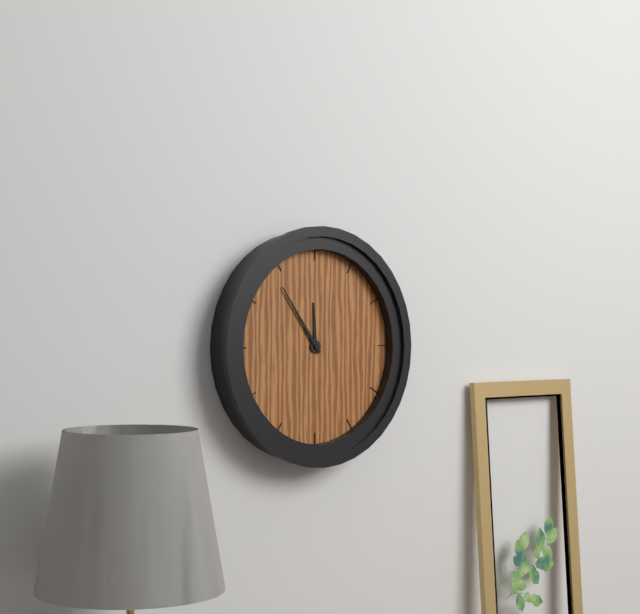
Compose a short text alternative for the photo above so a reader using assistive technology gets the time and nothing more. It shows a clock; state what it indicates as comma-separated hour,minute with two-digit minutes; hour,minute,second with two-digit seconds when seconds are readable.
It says 11,54
